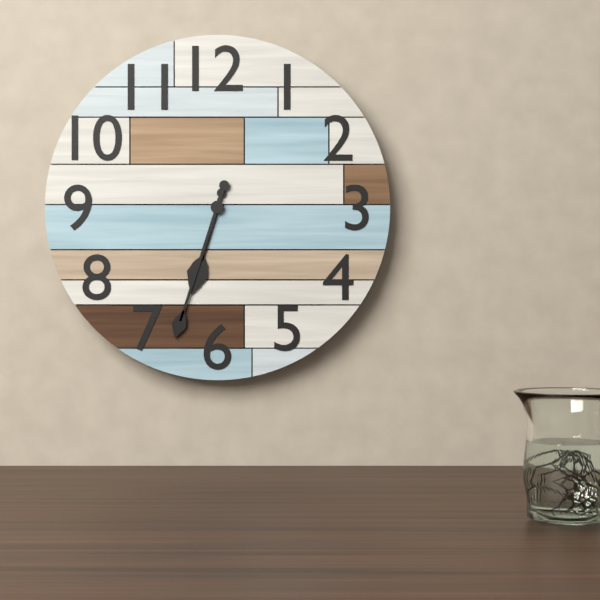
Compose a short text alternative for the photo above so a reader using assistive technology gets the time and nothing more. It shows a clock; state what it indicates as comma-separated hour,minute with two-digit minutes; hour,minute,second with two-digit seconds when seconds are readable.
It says 6,33
